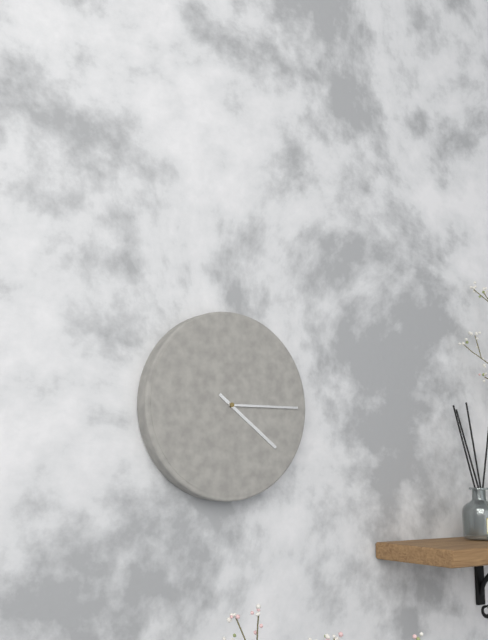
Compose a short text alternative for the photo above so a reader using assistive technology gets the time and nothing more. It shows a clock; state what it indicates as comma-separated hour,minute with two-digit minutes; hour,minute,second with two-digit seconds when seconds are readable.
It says 4,15
